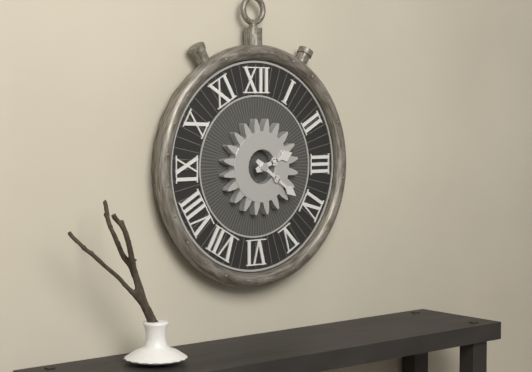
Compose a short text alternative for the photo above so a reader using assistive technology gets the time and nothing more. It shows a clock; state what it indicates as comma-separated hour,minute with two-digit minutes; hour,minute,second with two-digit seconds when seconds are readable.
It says 2,21
